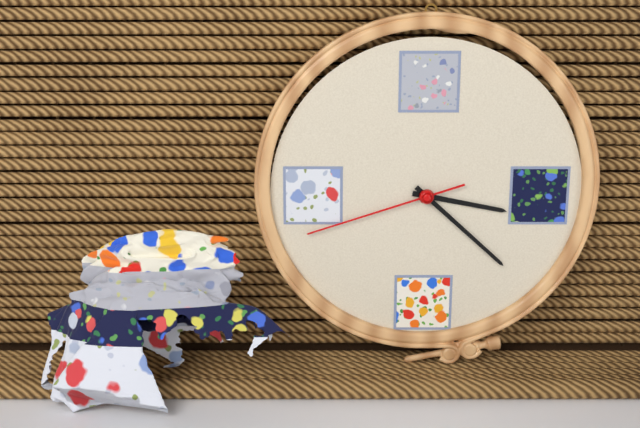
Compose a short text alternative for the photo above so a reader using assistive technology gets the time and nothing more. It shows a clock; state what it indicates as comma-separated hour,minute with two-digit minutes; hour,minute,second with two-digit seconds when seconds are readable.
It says 3,22,42
